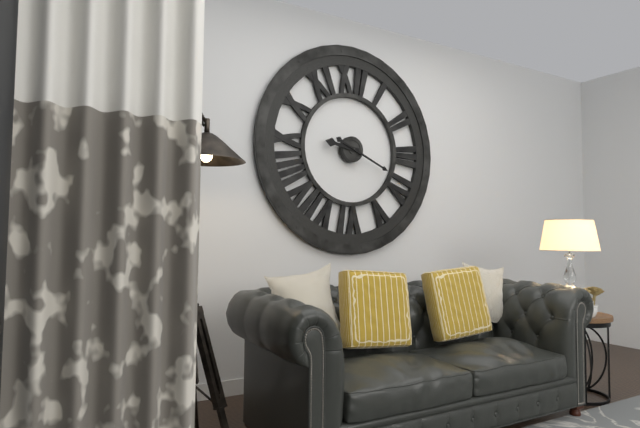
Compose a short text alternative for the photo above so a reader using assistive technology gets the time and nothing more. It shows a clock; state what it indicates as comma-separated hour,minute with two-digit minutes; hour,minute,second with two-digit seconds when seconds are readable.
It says 9,19
